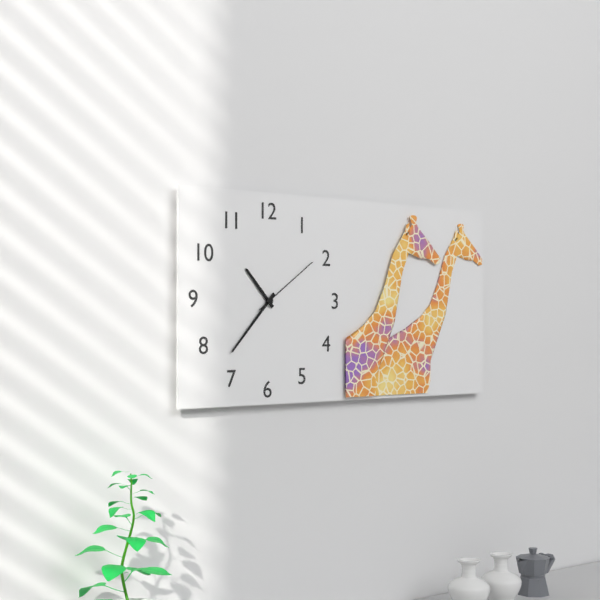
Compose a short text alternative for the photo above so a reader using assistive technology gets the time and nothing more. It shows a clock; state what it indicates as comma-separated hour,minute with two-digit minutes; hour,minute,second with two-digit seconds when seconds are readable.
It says 10,37,09
